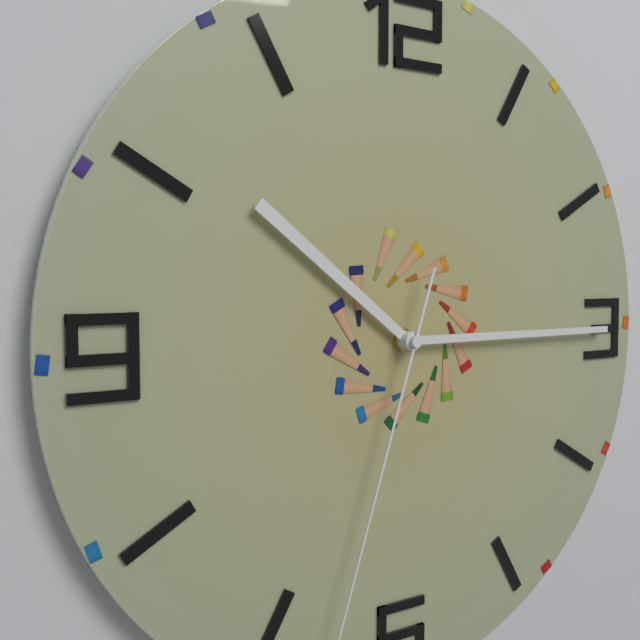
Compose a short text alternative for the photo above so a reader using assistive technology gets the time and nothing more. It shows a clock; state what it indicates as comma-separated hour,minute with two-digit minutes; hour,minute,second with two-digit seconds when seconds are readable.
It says 10,15
